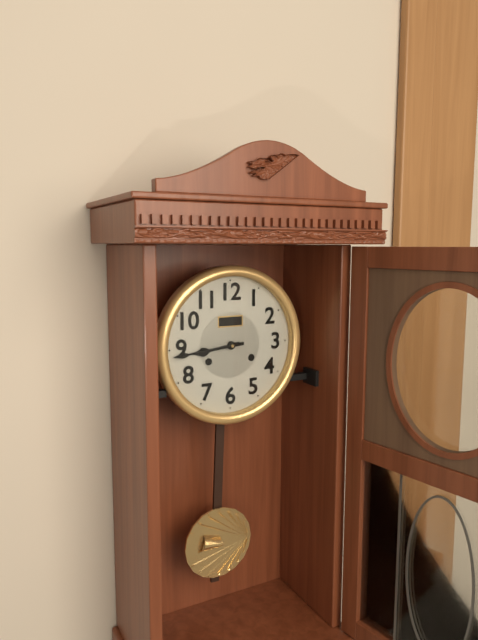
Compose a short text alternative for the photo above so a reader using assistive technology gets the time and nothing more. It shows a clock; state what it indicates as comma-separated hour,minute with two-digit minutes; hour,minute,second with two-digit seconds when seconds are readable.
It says 8,44
